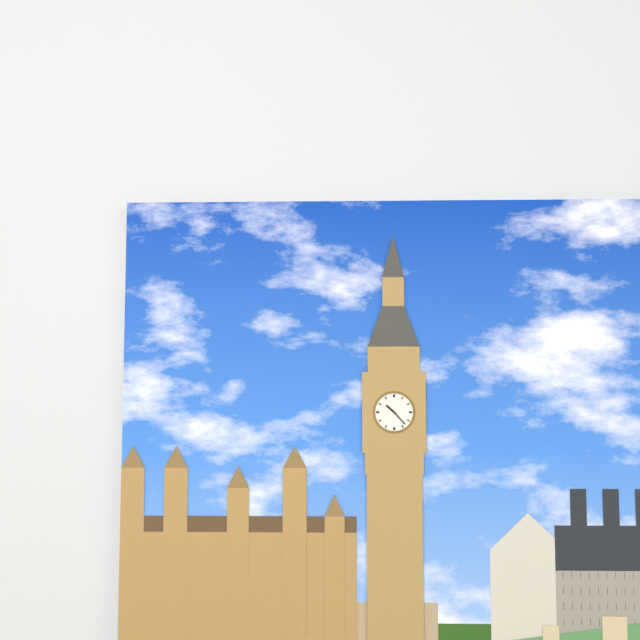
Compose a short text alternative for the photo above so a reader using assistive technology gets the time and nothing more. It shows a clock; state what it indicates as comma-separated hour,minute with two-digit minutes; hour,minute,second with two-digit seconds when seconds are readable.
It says 10,23
